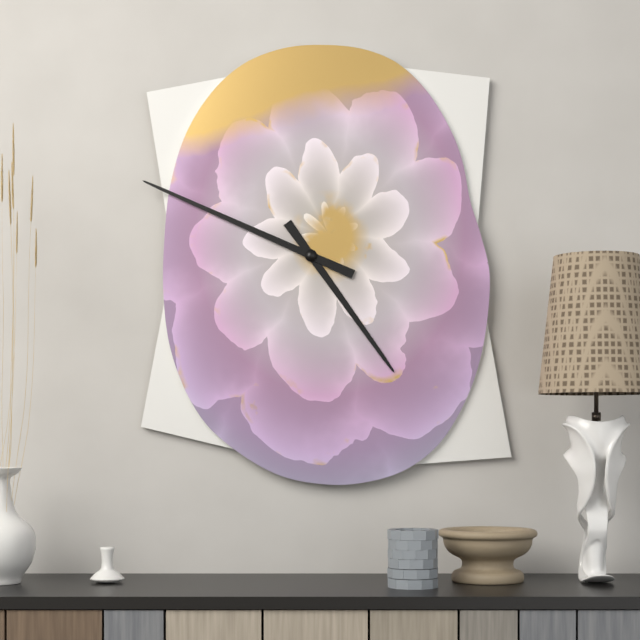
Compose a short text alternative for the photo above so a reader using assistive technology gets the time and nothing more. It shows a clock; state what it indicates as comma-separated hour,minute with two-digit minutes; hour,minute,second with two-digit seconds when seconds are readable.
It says 4,49
